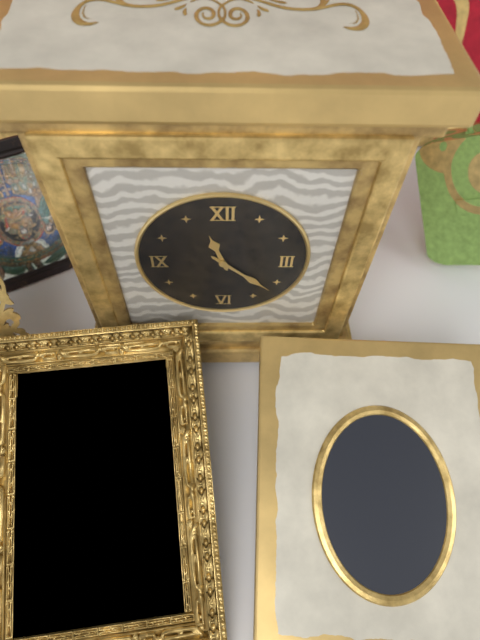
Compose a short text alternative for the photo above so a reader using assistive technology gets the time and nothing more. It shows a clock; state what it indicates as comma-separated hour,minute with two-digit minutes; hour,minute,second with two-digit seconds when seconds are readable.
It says 11,22
